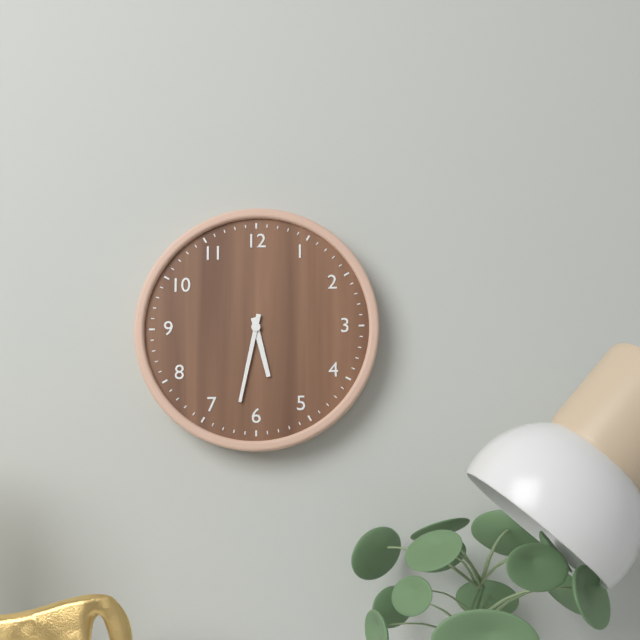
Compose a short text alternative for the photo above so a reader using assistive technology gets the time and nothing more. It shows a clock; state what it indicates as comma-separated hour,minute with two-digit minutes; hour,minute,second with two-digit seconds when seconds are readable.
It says 5,32
